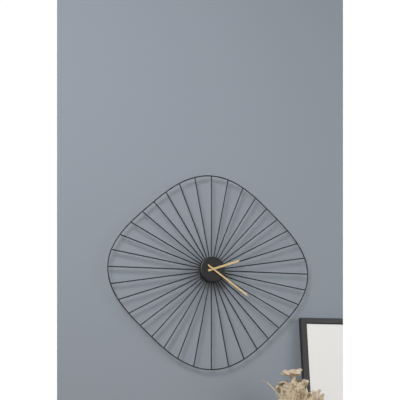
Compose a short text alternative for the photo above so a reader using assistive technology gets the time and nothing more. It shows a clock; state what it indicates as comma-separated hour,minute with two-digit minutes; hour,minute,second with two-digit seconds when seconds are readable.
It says 2,21
